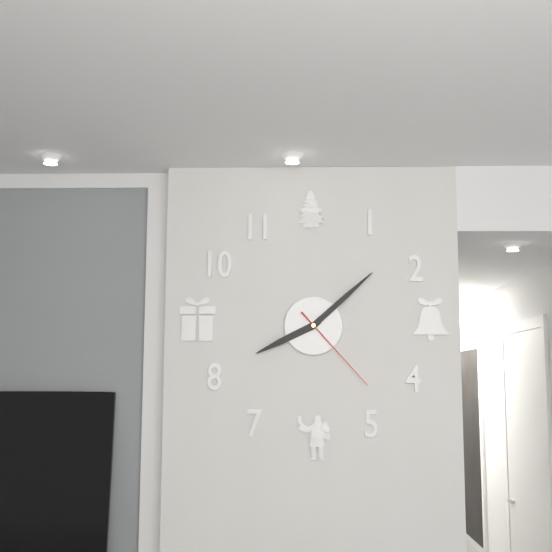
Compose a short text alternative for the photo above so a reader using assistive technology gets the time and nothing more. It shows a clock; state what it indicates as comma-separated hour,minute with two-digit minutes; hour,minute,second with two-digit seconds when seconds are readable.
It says 8,08,23
